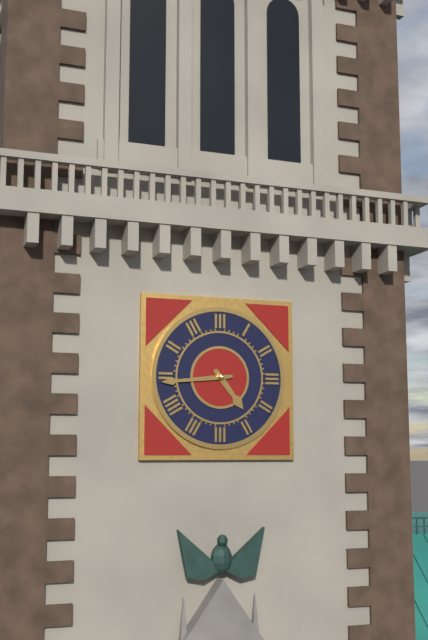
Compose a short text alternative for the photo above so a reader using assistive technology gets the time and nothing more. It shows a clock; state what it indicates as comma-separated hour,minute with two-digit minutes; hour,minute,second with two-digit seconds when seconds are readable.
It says 4,44
